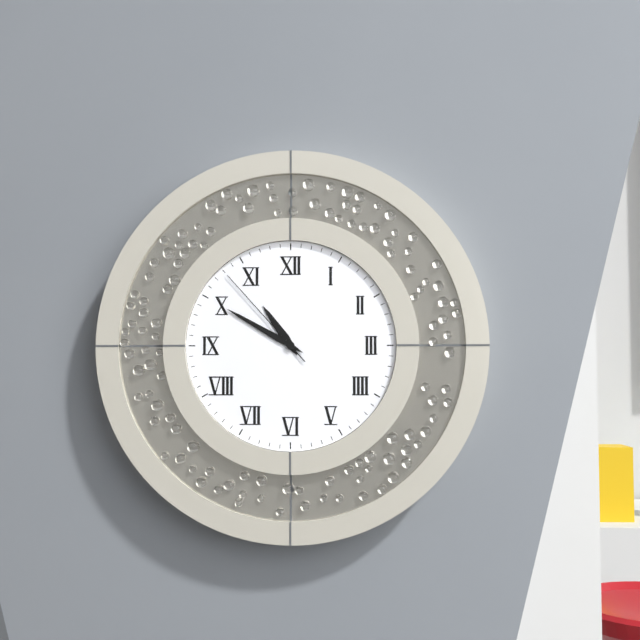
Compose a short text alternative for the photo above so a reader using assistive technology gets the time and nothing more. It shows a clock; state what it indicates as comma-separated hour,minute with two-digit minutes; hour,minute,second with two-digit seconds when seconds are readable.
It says 10,50,53
